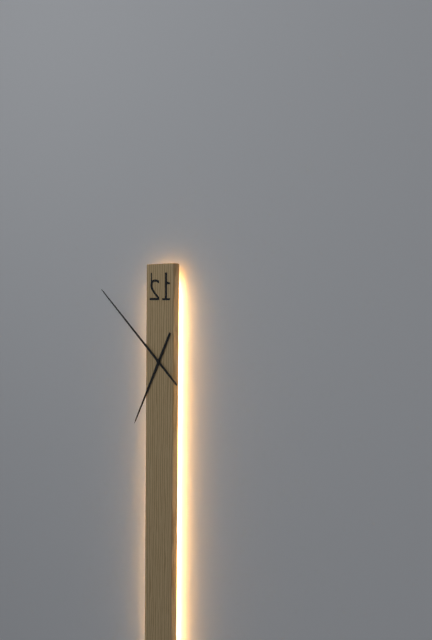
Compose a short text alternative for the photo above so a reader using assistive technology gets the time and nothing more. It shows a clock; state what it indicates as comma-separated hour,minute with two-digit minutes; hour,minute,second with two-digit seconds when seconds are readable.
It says 6,52
